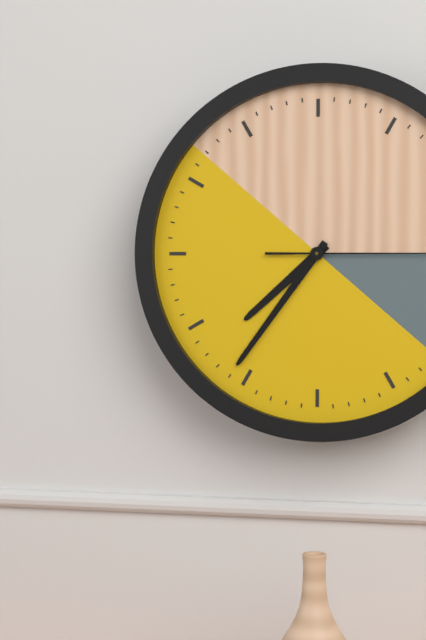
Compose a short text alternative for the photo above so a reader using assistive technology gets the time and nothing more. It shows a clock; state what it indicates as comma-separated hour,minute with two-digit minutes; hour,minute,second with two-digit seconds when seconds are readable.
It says 7,36
